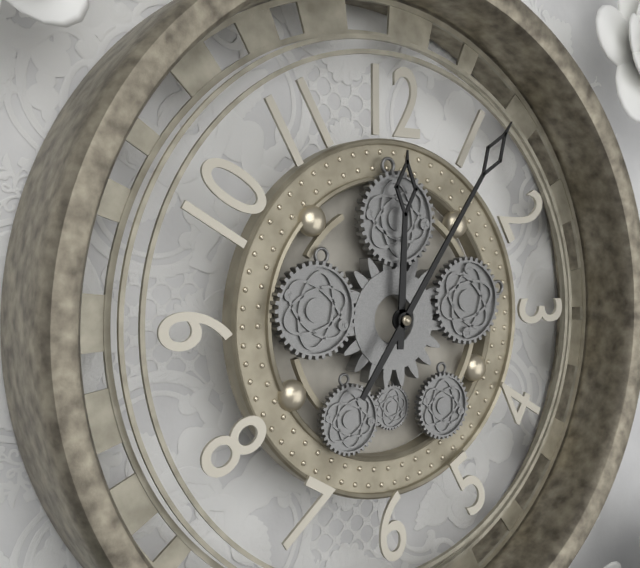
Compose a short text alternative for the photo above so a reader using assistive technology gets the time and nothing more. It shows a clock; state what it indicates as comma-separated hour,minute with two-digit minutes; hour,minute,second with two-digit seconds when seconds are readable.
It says 12,06
